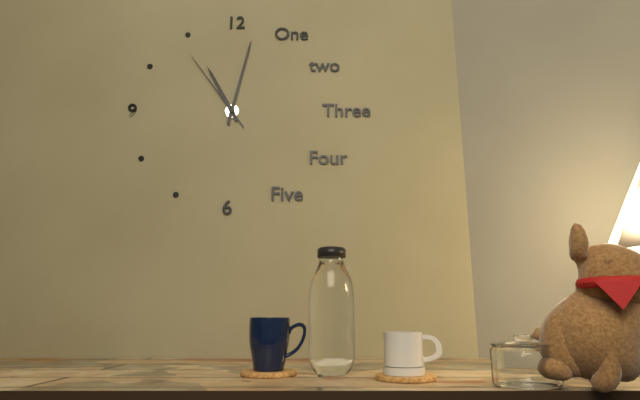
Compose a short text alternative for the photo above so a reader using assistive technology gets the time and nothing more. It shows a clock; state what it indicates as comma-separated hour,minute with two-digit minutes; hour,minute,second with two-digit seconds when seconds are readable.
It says 11,02,54
